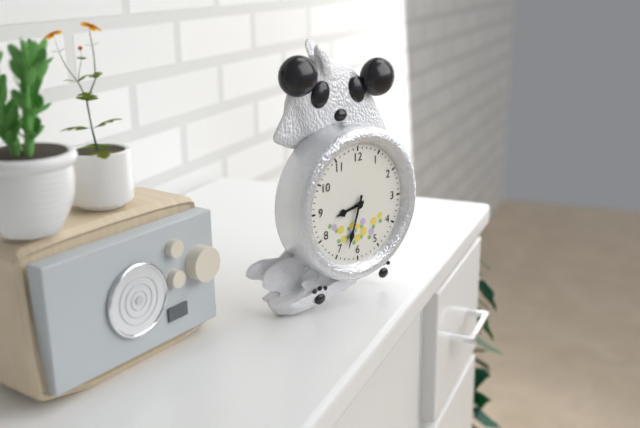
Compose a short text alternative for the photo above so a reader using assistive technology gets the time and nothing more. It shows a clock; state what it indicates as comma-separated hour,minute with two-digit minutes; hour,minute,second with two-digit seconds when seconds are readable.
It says 8,33
